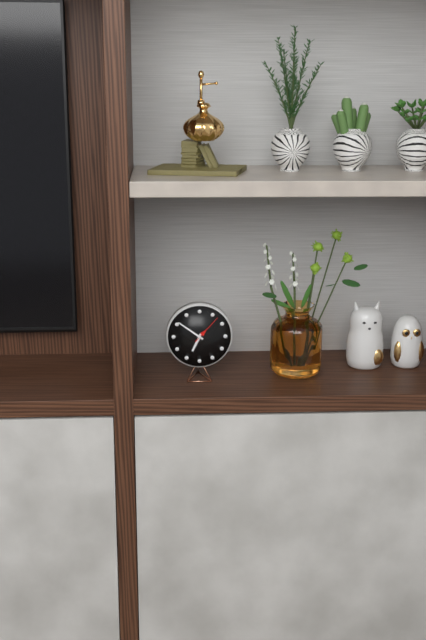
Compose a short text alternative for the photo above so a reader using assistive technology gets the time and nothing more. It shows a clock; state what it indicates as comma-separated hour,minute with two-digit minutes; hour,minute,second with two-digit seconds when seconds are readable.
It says 6,51
